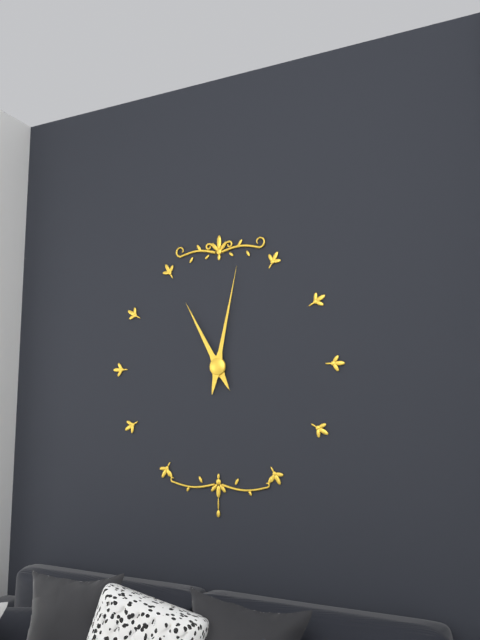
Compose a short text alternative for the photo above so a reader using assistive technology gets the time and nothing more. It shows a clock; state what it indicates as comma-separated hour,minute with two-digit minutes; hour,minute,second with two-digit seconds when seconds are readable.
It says 11,02
